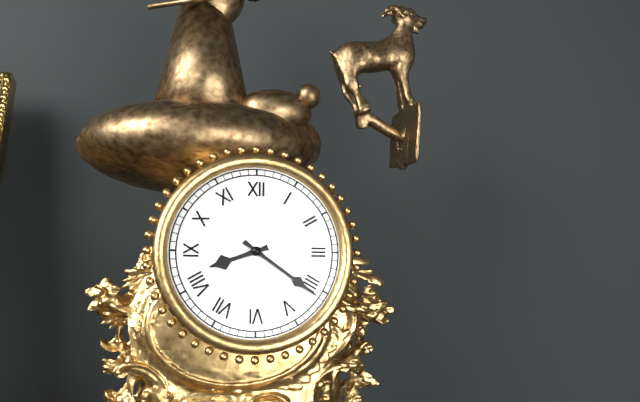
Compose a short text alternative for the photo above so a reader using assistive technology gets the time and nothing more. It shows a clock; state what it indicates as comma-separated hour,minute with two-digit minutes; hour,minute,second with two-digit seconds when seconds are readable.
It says 8,21
